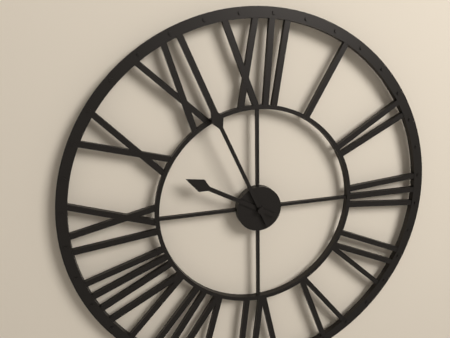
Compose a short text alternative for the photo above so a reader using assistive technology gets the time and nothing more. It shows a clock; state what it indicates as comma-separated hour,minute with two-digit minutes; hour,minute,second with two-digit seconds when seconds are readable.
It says 9,56
